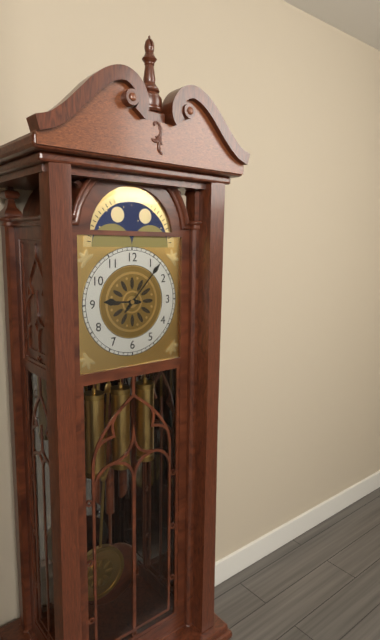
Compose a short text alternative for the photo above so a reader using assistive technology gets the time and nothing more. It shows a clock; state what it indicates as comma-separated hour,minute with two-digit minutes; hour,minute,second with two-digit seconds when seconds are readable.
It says 9,07
